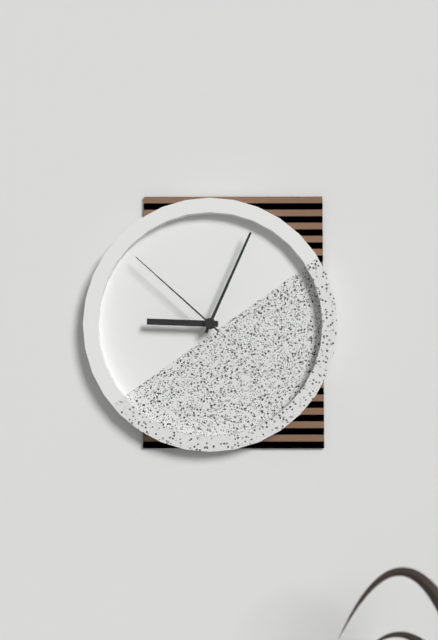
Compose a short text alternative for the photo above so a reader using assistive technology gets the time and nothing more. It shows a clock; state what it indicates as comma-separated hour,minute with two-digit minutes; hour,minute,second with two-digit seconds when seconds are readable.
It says 9,04,52
